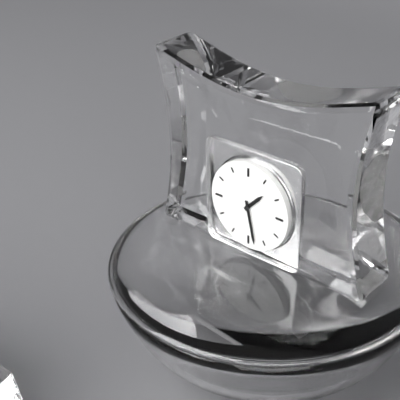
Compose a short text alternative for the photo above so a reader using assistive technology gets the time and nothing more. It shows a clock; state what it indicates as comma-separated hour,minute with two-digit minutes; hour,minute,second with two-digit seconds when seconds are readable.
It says 1,28
